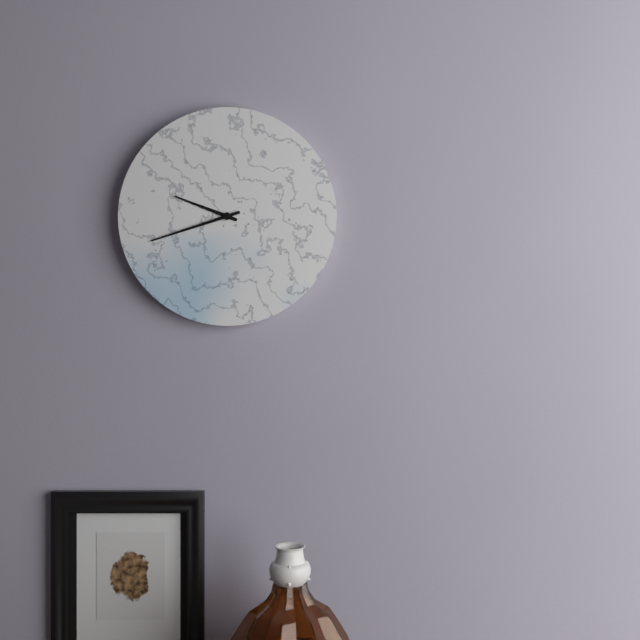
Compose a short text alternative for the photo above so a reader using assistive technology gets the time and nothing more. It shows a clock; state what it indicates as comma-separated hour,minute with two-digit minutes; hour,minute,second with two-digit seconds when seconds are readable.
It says 9,42
